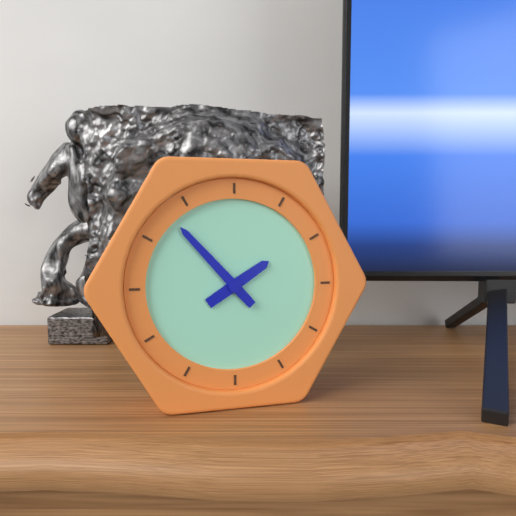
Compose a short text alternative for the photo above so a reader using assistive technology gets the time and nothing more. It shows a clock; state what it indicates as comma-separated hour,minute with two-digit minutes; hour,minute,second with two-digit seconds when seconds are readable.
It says 1,53
